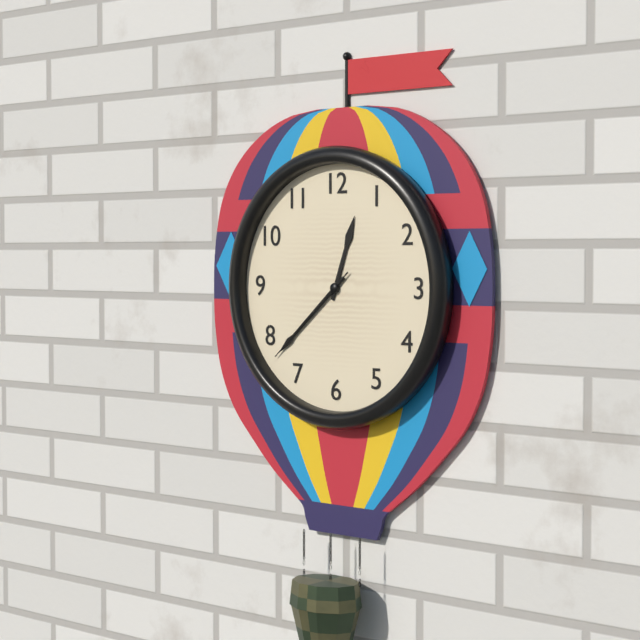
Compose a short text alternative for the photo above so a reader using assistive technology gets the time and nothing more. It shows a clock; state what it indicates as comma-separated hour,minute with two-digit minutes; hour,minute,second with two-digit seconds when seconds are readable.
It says 12,38,38
